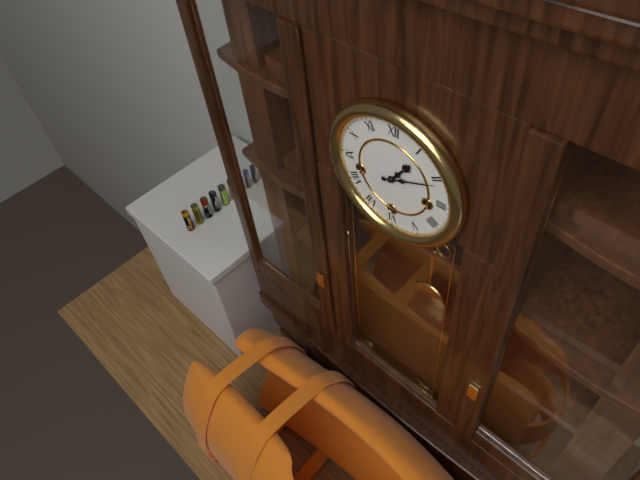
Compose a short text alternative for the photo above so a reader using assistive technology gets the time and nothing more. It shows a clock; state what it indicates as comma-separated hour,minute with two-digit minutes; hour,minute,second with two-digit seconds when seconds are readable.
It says 1,11
